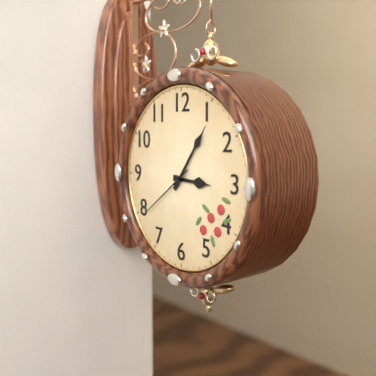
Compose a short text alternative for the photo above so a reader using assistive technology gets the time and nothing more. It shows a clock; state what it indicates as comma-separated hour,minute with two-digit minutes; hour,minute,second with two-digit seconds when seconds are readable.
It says 3,06,39
